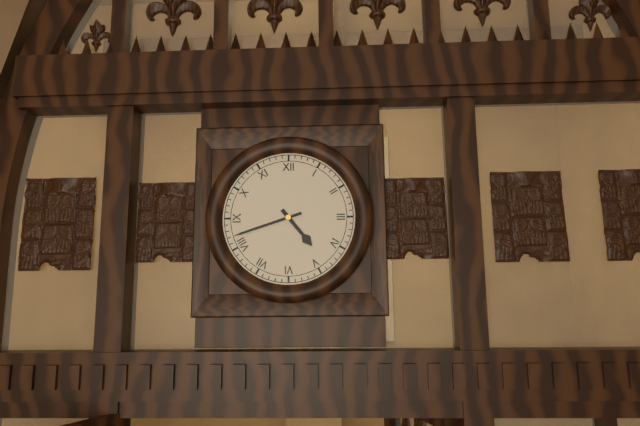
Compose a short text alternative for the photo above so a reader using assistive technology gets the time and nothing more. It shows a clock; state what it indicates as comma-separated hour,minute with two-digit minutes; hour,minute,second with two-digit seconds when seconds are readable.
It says 4,42
